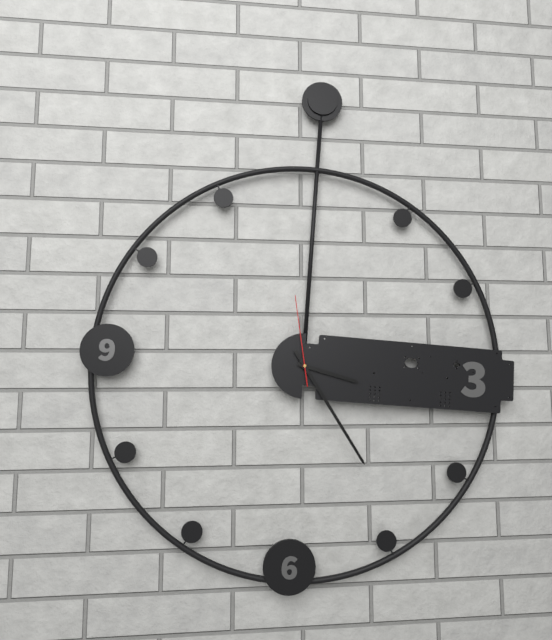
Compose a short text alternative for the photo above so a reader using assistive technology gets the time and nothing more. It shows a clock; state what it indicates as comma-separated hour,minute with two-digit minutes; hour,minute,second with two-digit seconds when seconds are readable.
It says 3,24,58
